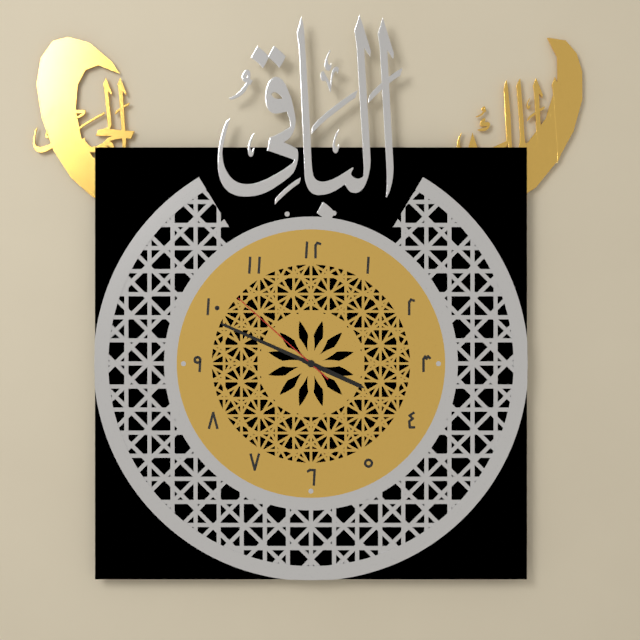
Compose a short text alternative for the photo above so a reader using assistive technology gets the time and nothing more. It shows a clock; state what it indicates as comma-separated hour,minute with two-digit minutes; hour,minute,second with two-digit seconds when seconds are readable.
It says 3,49,52
